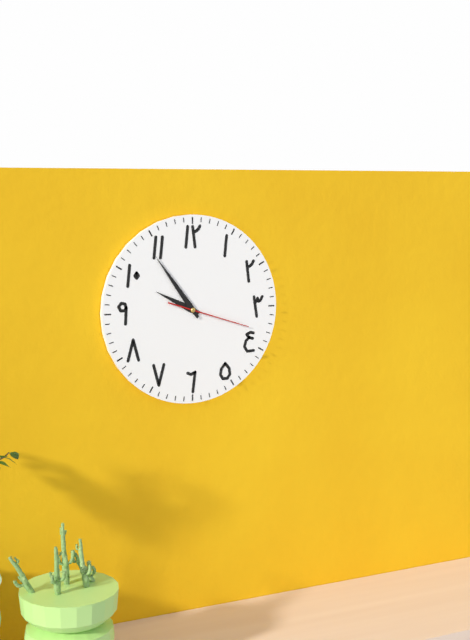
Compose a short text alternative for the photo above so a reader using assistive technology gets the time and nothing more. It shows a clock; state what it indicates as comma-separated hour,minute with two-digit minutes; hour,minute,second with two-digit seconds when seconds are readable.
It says 9,54,18
